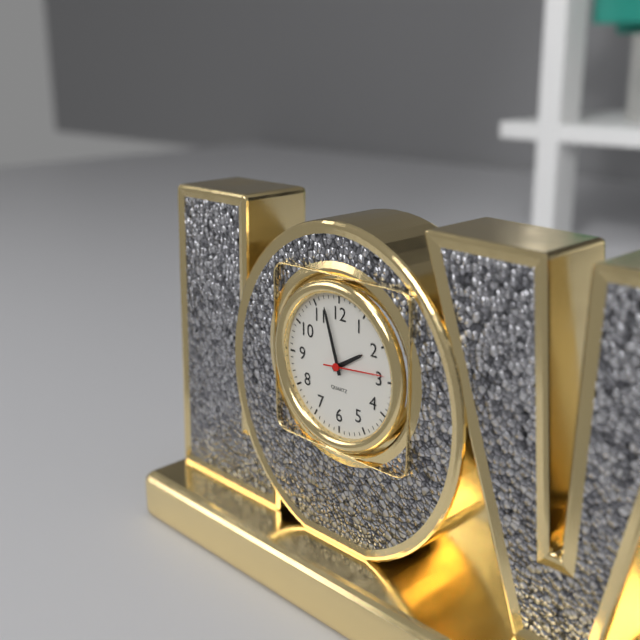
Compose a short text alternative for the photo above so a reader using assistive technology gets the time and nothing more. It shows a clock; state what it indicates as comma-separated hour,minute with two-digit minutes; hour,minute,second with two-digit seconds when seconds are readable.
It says 1,57,14
